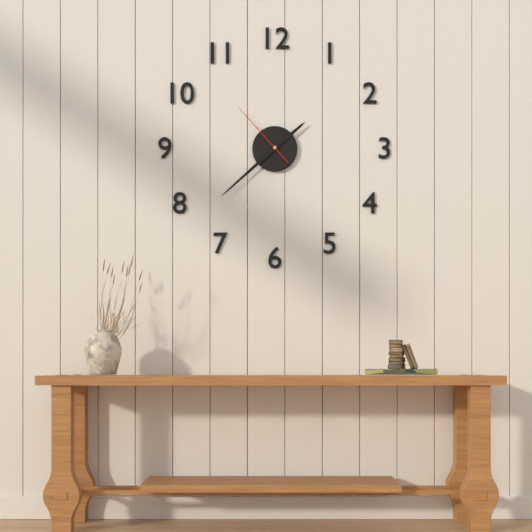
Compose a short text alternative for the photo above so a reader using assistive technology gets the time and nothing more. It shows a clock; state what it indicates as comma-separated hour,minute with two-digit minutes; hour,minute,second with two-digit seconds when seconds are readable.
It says 1,38,53
